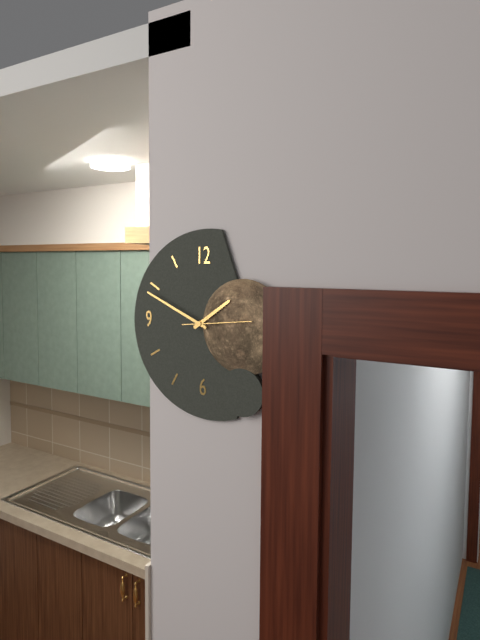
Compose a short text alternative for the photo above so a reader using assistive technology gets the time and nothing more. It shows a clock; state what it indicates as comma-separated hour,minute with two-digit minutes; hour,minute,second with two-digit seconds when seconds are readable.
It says 1,49,14
